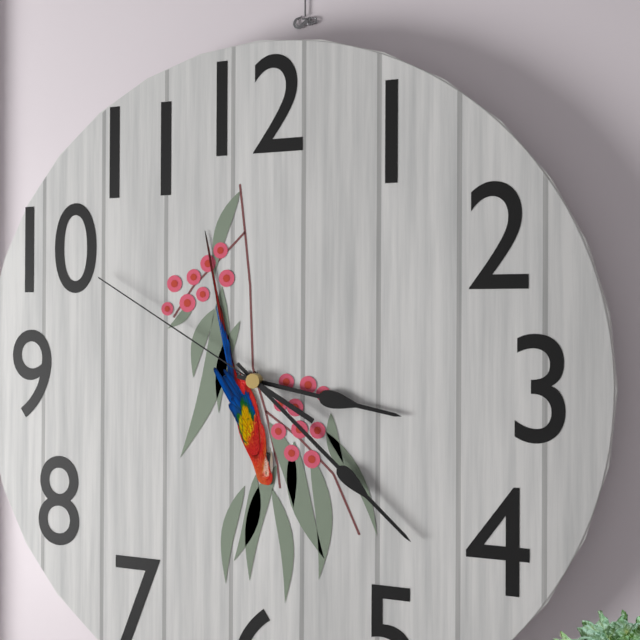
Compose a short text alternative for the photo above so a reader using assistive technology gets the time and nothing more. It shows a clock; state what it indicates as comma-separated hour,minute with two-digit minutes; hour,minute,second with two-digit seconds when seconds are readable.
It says 3,22,50
